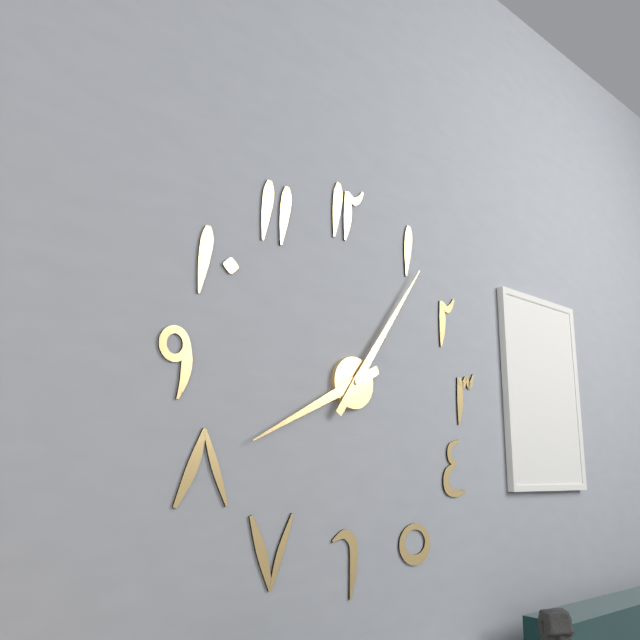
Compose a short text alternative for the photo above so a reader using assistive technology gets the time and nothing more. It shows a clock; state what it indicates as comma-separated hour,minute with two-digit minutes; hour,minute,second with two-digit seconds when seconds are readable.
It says 8,06
